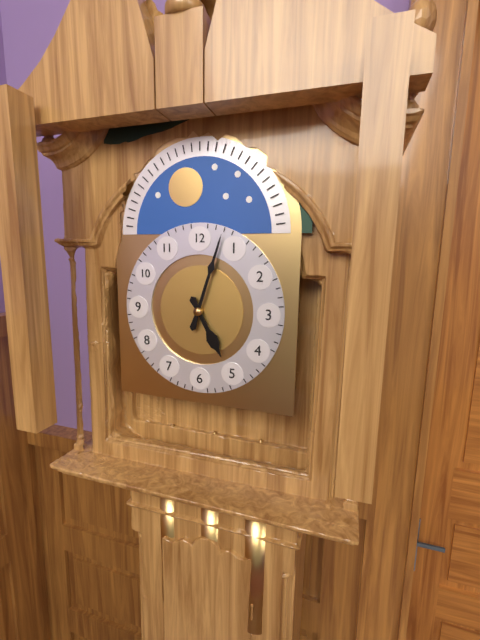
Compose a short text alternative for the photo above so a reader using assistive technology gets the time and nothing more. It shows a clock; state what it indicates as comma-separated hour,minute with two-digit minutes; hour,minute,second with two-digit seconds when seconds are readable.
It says 5,03
